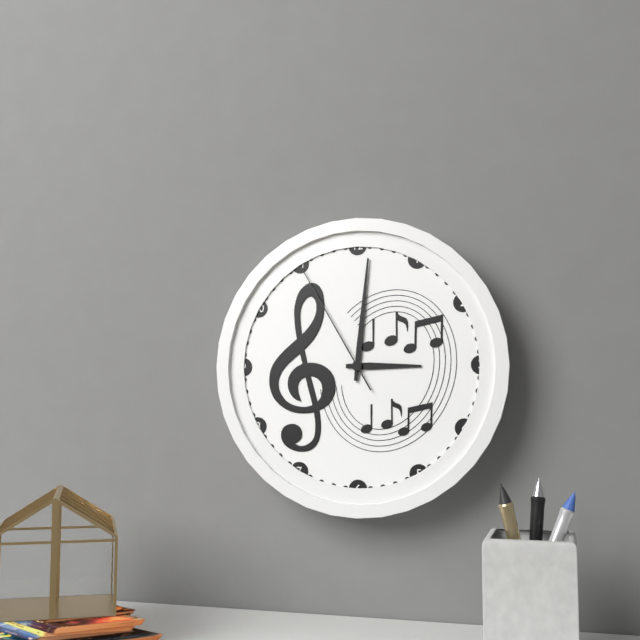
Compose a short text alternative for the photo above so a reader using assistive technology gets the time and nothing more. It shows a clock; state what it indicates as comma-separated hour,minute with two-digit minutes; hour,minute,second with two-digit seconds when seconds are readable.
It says 3,01,55
